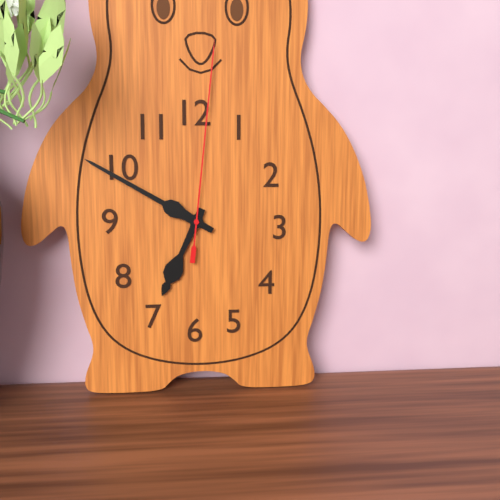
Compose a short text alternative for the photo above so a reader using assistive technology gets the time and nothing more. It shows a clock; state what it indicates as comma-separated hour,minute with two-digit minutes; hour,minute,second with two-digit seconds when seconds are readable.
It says 6,50,01
